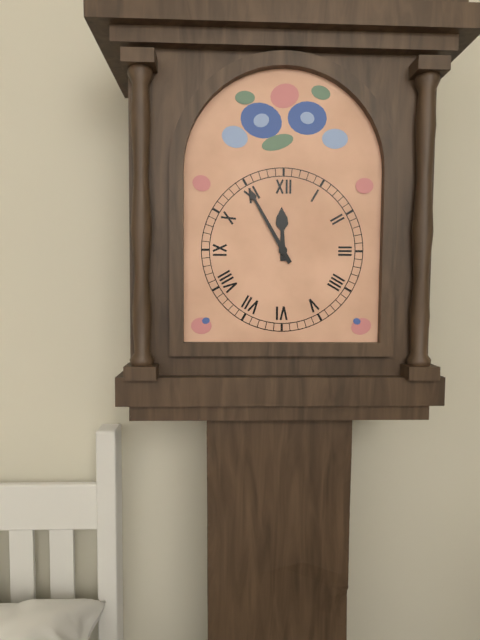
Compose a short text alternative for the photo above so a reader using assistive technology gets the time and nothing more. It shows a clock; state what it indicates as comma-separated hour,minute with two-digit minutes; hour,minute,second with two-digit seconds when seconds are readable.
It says 11,55
